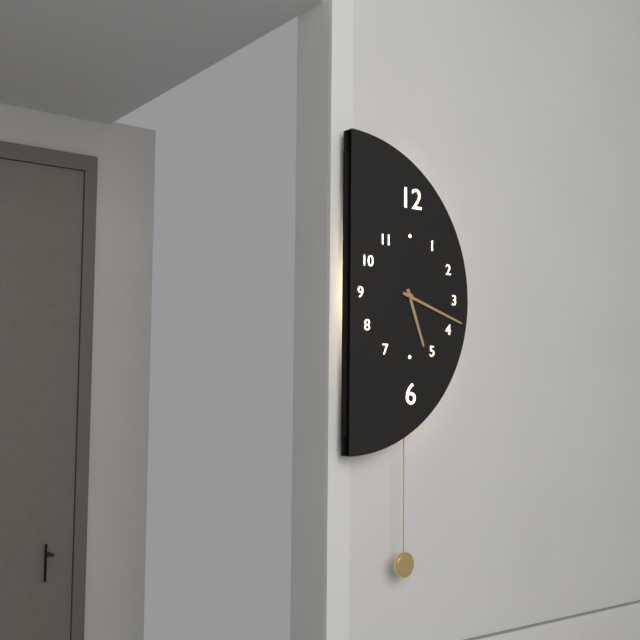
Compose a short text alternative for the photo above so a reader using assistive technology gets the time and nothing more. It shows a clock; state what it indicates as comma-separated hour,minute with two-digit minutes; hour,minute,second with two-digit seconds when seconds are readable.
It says 5,18
